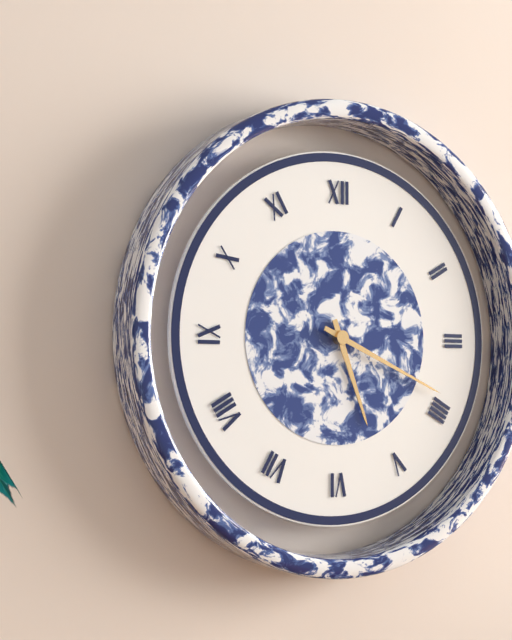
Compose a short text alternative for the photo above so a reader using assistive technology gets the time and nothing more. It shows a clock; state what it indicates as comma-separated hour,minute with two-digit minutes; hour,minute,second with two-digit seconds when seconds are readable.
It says 5,19
